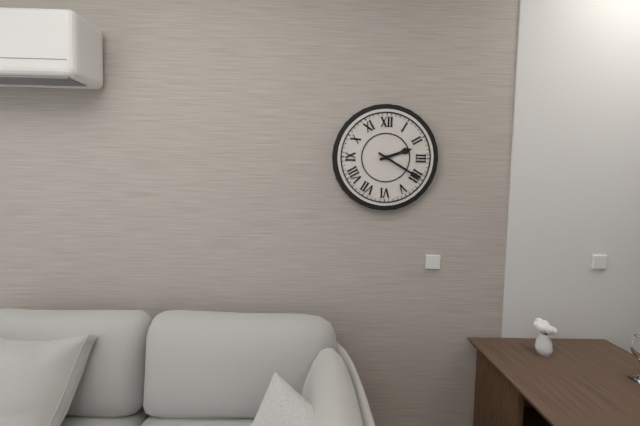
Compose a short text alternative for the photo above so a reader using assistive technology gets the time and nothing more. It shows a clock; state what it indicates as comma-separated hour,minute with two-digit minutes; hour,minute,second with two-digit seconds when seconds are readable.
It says 2,20
